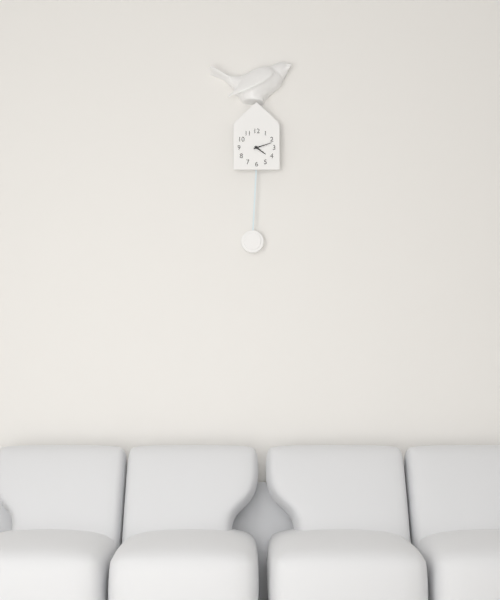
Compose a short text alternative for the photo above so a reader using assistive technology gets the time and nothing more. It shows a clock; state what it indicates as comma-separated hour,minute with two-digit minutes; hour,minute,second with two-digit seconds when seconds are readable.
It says 4,12
